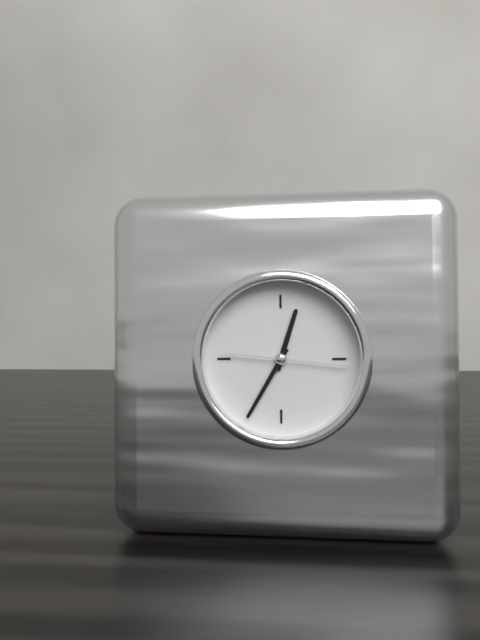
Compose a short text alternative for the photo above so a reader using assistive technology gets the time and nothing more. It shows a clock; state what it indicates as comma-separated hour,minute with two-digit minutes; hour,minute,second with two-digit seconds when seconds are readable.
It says 12,35,16
